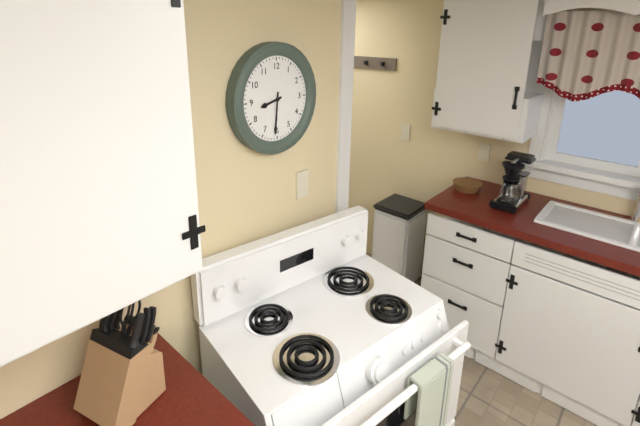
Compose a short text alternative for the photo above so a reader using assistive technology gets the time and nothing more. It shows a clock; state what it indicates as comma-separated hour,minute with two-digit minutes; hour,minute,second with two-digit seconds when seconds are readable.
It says 8,31
